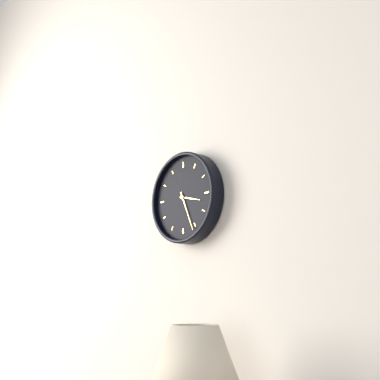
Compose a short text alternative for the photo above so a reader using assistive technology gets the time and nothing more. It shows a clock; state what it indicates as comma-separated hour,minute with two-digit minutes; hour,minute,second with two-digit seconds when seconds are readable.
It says 3,26
